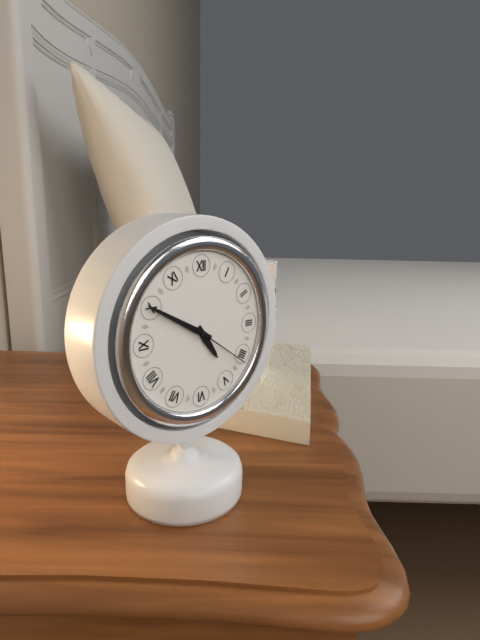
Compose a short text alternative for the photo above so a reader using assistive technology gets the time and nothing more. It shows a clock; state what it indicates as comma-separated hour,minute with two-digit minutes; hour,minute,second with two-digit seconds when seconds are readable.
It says 4,50,21
